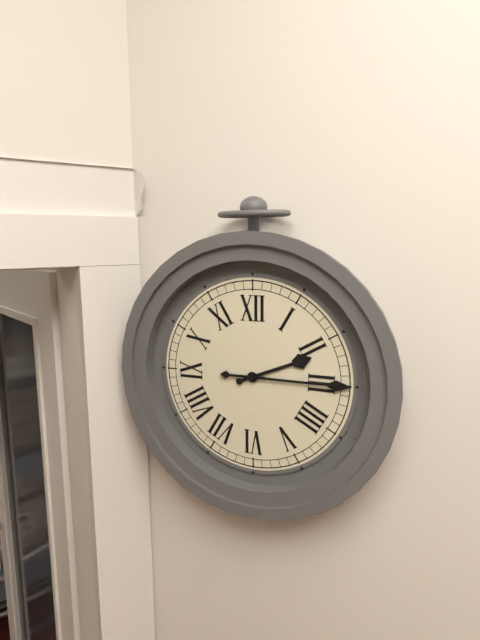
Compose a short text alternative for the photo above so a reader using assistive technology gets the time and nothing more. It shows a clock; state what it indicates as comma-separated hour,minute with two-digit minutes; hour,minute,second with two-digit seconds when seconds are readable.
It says 2,15
